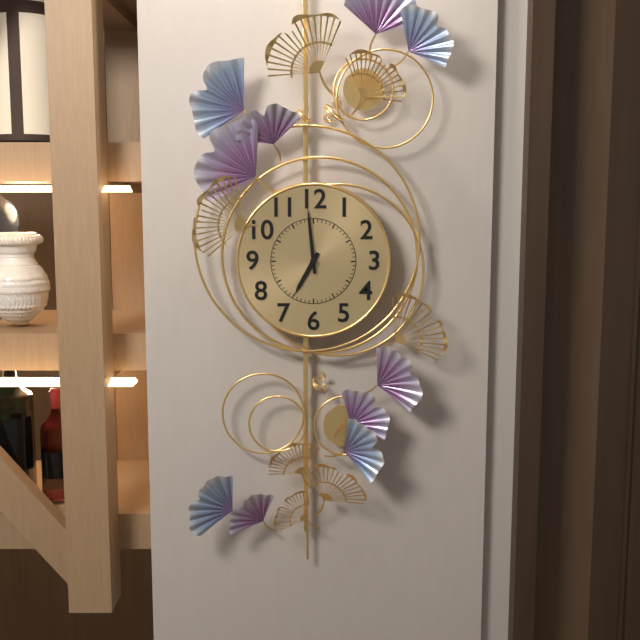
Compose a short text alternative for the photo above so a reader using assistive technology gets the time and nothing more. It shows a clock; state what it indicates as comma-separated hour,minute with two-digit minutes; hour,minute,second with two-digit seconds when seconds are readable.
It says 6,59
